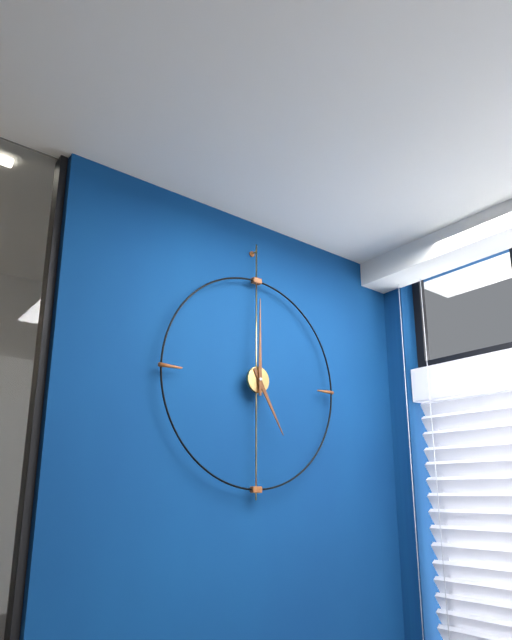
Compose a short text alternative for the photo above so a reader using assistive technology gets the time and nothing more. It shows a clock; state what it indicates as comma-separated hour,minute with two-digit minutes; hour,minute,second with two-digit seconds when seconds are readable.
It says 5,00
